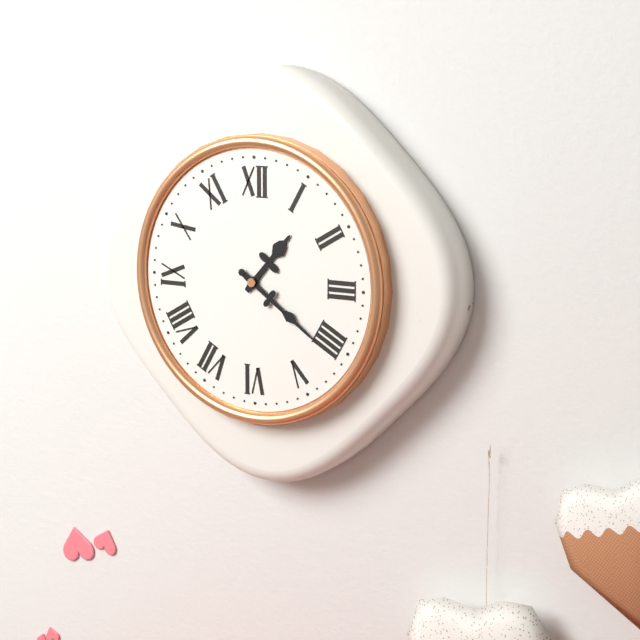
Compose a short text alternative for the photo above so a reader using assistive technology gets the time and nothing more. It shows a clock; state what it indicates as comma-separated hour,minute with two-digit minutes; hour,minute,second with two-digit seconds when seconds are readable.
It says 1,21
